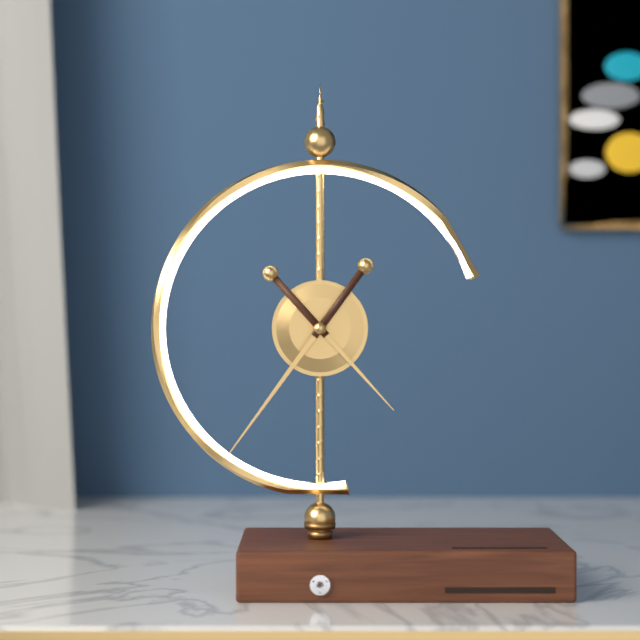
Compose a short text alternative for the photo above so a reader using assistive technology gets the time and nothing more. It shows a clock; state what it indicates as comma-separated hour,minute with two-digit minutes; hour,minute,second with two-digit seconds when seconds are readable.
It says 4,36
